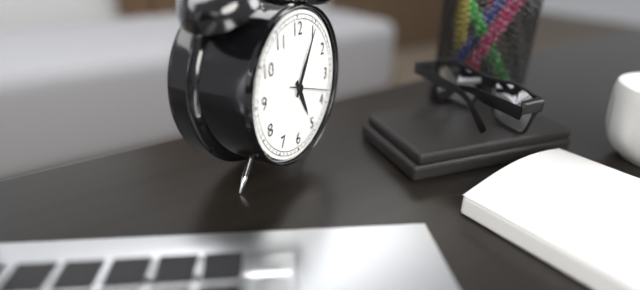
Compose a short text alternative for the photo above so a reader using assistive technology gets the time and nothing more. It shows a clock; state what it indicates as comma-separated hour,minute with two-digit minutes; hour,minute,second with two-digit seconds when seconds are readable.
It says 5,05
